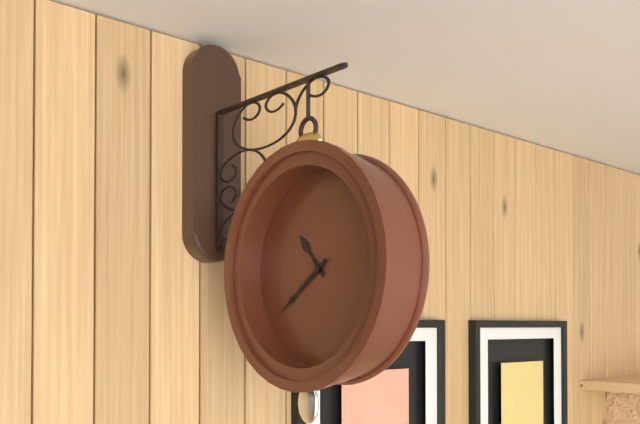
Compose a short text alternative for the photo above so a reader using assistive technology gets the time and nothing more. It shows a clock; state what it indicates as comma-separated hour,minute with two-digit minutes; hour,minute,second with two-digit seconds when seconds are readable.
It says 10,39
